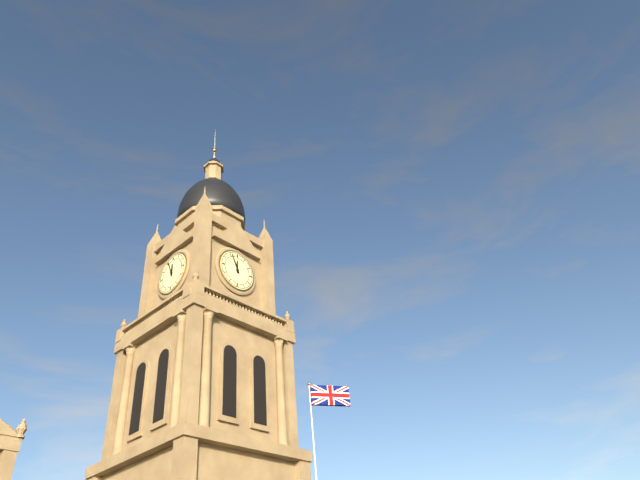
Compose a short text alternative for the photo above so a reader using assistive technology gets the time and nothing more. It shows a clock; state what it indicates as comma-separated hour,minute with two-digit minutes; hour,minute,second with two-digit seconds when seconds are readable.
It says 11,56
